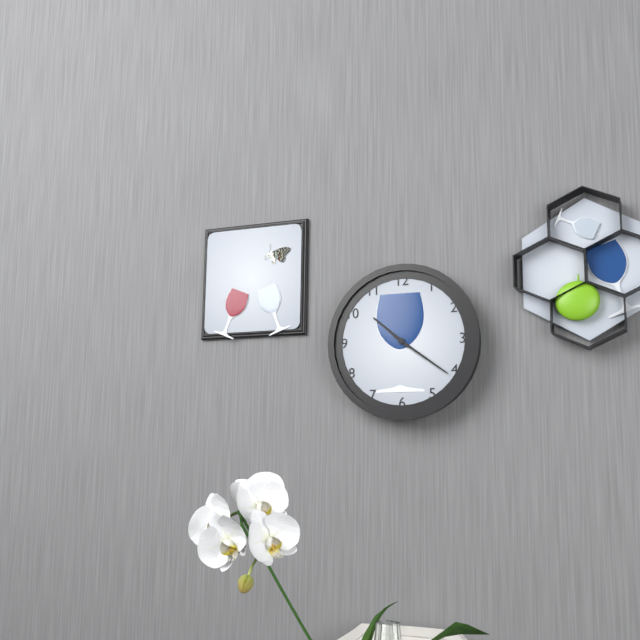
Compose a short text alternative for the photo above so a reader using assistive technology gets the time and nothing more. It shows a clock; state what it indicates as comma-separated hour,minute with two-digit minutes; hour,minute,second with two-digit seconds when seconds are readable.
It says 10,21
